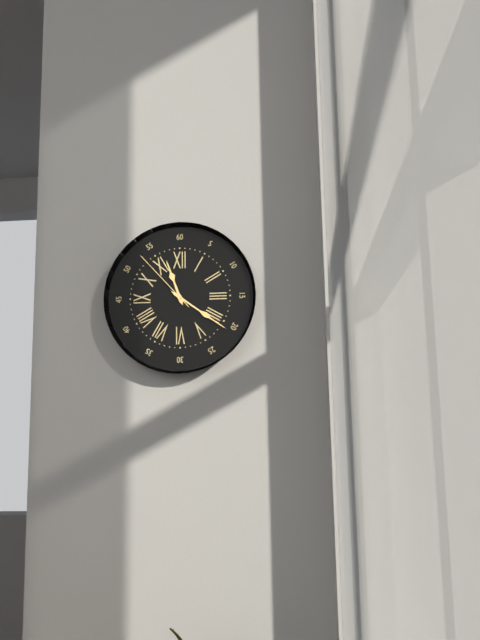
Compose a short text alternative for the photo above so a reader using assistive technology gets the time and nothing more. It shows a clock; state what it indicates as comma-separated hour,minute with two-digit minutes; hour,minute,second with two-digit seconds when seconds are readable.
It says 11,21,53
